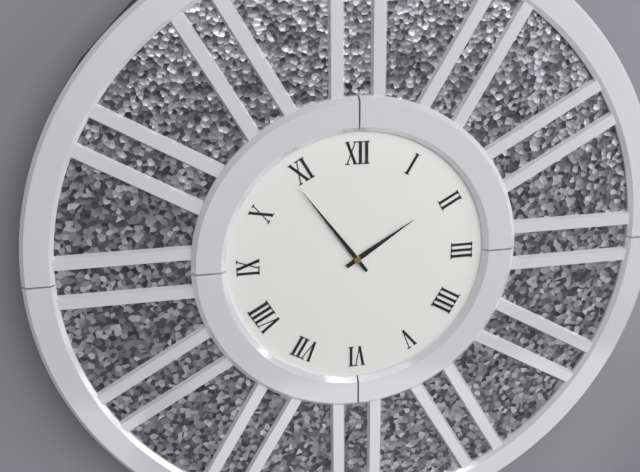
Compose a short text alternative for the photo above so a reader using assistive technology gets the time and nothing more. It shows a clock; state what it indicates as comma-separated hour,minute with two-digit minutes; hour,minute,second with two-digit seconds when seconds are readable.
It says 1,54
